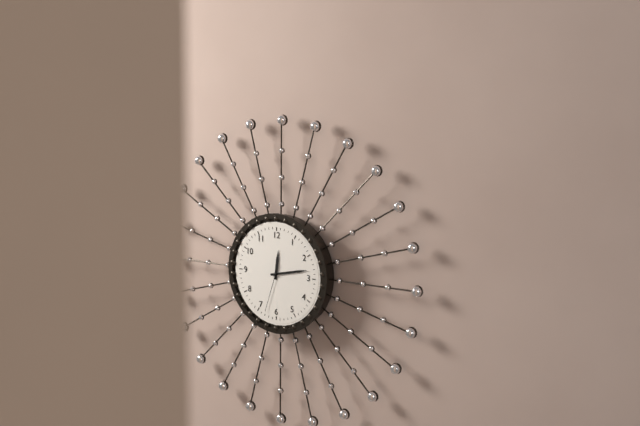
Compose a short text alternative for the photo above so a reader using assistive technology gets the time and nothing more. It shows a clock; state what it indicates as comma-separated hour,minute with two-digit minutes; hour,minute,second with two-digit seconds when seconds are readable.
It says 12,13
